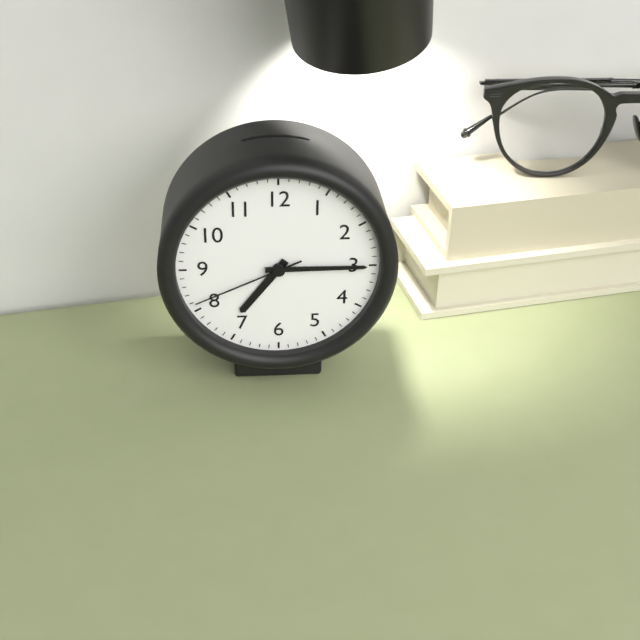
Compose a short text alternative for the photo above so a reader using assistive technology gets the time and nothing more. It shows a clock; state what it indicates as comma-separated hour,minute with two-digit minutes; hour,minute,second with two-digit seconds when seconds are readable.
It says 7,15,41
